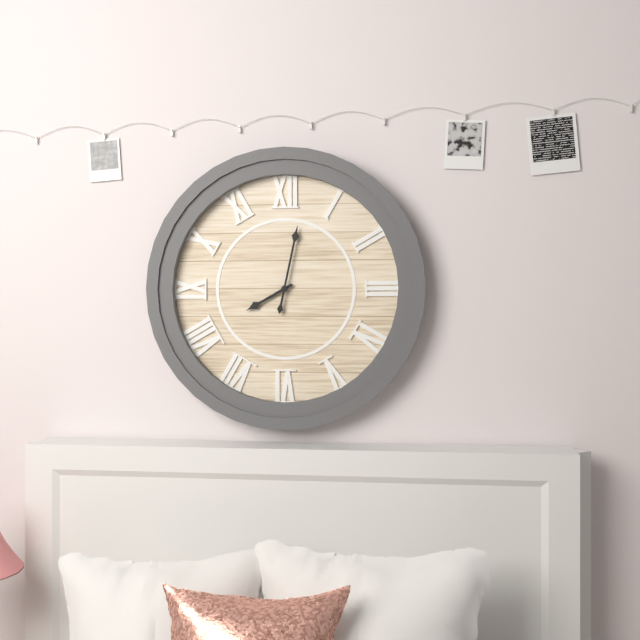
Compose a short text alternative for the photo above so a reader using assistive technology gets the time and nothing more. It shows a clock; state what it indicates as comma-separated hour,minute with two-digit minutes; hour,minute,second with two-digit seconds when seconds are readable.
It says 8,02
